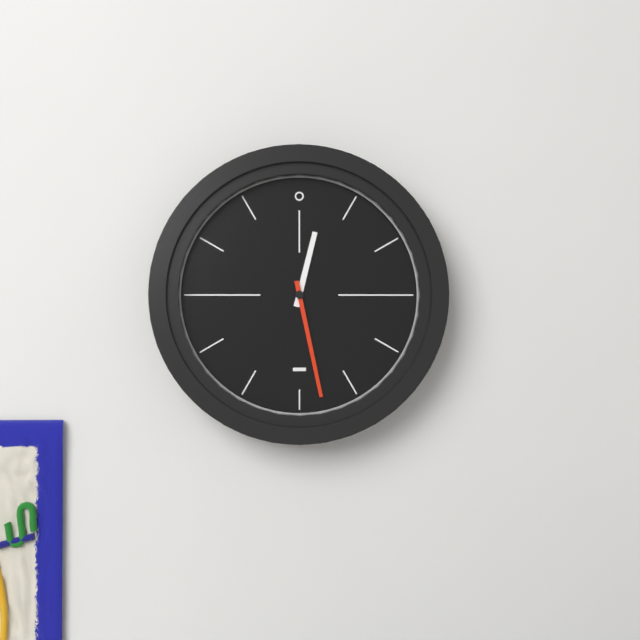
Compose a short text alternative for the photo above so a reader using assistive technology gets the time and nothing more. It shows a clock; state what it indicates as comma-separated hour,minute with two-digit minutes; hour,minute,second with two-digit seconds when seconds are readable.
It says 12,28
